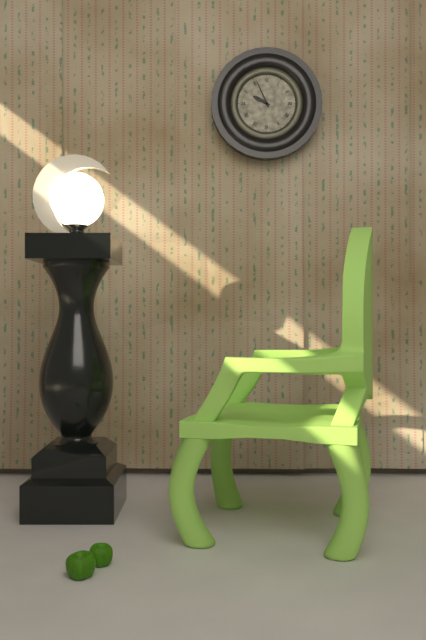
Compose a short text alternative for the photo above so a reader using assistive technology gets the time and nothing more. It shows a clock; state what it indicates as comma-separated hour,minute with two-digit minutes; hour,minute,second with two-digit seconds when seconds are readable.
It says 9,56
